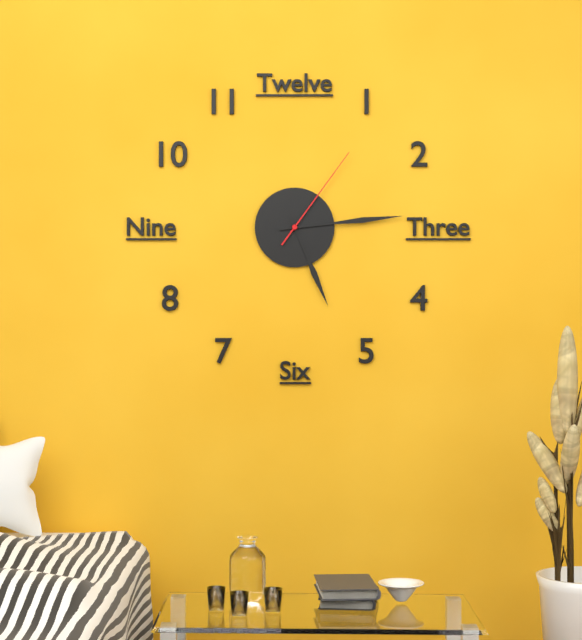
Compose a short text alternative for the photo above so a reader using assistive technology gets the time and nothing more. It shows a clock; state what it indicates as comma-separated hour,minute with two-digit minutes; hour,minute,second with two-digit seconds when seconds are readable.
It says 5,14,06
